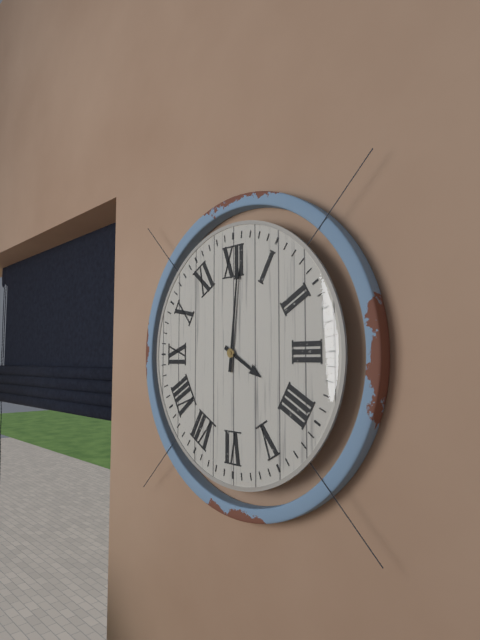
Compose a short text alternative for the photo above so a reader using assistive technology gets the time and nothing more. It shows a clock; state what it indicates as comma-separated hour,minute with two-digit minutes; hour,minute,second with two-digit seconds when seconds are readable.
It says 4,01
